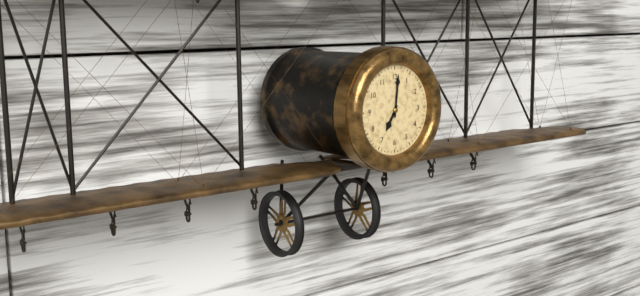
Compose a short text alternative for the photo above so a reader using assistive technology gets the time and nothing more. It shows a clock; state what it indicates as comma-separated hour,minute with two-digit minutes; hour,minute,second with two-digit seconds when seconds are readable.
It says 7,01
